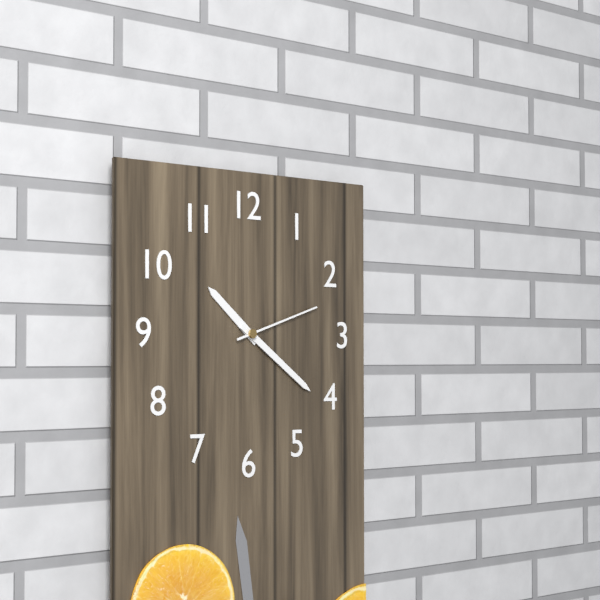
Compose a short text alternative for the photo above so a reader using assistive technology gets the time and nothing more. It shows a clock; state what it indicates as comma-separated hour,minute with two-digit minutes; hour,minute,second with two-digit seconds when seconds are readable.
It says 10,21,12
